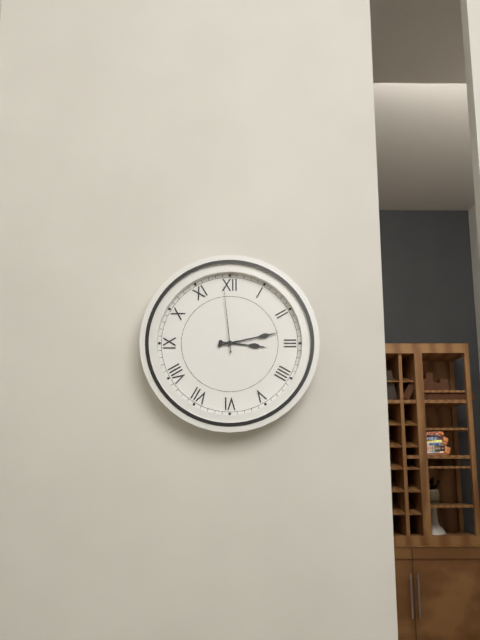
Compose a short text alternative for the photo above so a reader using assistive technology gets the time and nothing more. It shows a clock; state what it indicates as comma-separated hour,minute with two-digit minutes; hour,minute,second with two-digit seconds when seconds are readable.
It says 3,13,59
